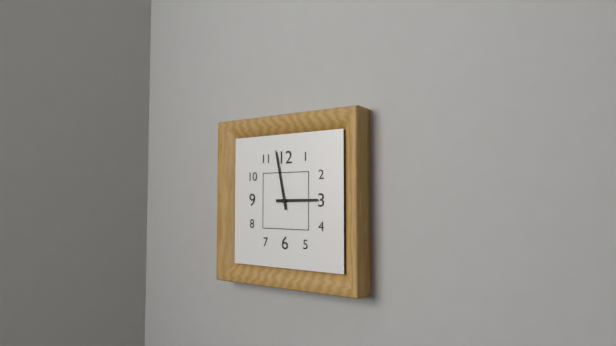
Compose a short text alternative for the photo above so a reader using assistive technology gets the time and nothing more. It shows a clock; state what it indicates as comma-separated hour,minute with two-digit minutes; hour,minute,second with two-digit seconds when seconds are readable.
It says 2,58
